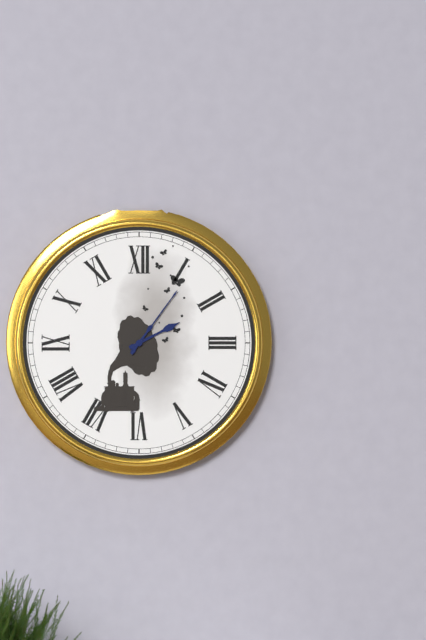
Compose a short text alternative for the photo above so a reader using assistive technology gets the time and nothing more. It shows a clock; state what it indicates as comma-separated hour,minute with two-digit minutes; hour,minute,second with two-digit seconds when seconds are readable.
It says 2,06
